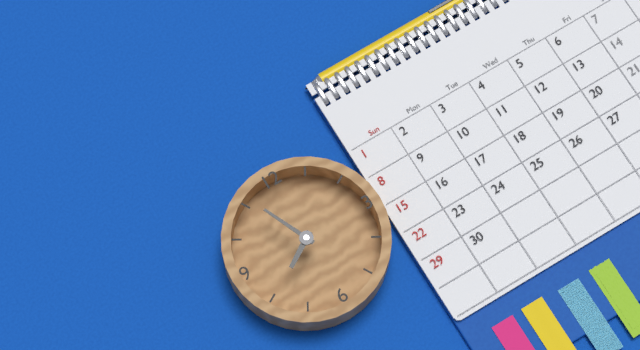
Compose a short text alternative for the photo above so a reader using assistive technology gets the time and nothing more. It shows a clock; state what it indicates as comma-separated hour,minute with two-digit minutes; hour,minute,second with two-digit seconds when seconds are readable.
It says 7,56
